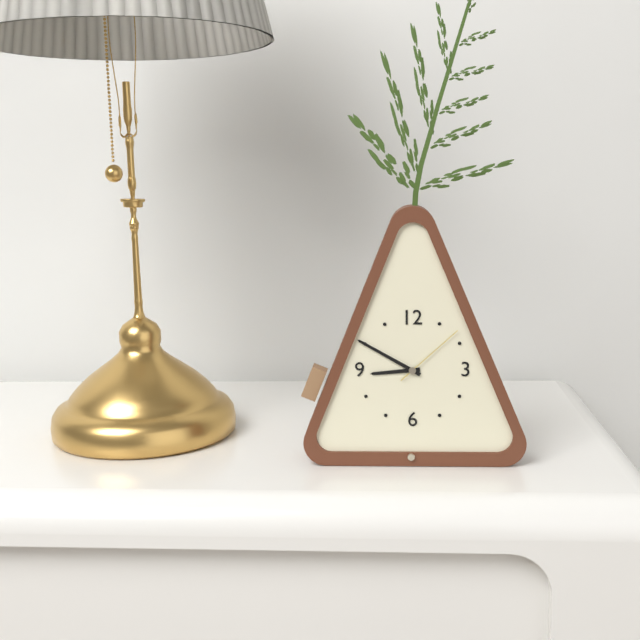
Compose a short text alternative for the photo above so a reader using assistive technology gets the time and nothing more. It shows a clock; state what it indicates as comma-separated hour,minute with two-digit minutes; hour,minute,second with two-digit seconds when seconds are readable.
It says 8,50,08
